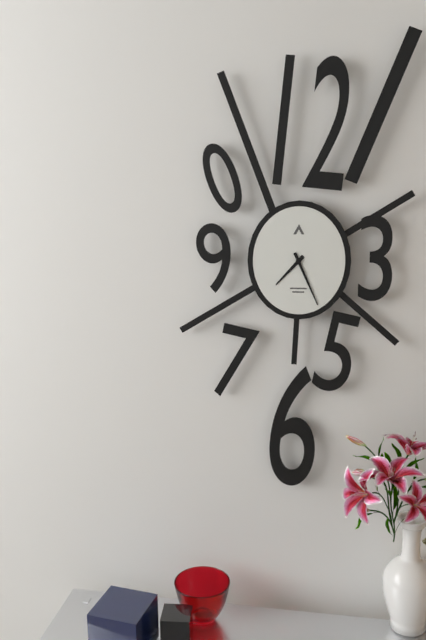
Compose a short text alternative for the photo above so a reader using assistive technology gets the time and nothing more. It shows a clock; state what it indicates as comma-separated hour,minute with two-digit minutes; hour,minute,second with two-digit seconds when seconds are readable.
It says 7,26
